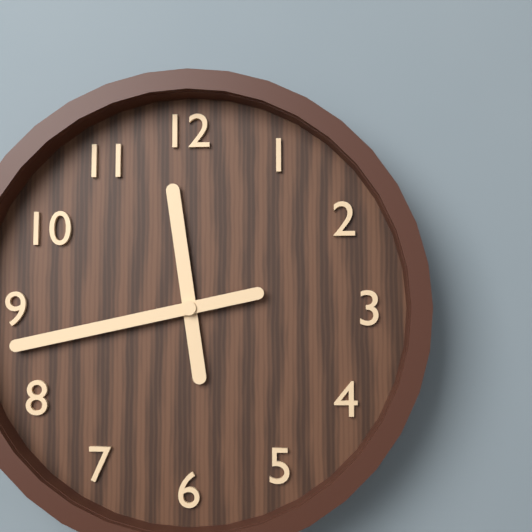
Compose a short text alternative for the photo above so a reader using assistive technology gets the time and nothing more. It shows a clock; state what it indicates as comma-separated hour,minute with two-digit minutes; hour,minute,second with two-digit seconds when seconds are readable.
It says 11,43
